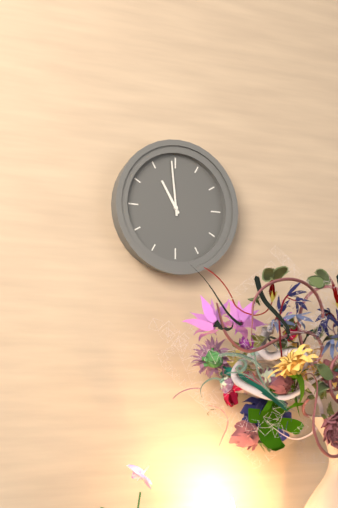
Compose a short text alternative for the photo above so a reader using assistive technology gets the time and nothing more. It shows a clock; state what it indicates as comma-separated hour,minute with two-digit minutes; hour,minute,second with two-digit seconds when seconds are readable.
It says 10,59
